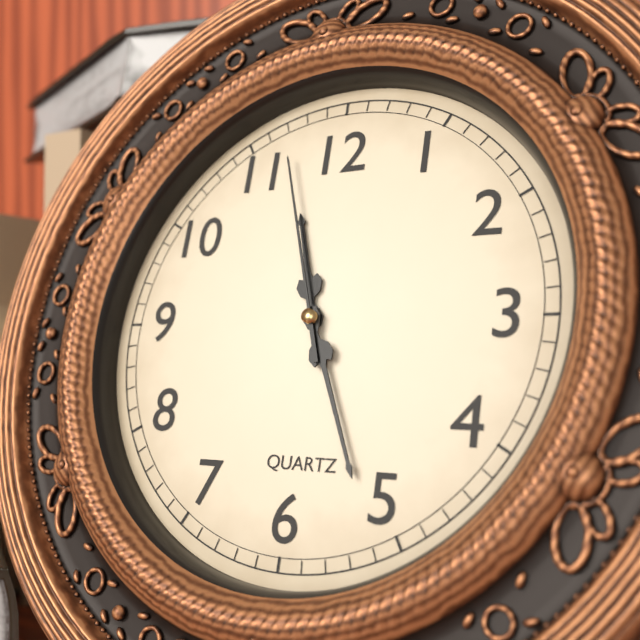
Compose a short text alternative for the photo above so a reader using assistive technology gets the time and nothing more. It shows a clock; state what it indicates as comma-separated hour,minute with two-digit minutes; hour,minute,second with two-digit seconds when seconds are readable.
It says 11,26,57
